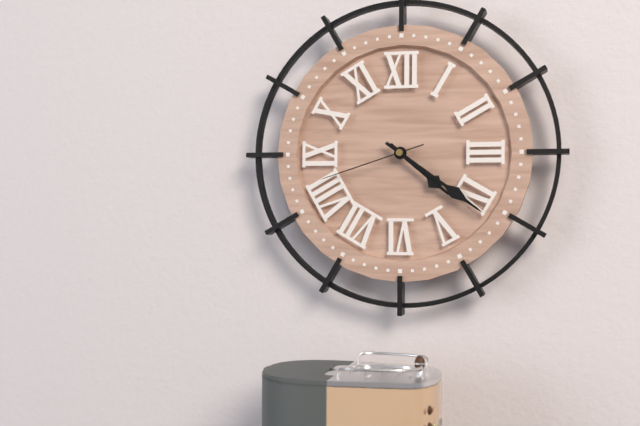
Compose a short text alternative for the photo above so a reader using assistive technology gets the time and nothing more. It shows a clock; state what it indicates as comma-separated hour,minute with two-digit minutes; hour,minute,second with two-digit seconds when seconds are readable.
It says 4,21,42
